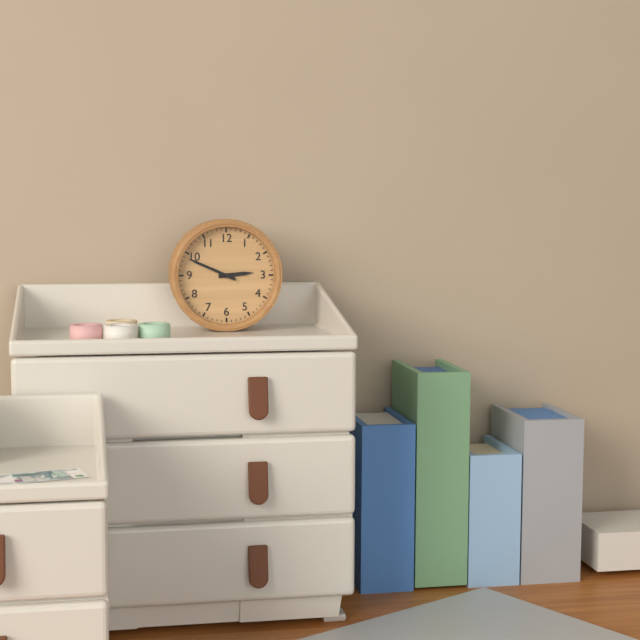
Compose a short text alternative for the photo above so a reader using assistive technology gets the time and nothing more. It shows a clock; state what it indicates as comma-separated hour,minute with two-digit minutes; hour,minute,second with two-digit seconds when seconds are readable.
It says 2,49
